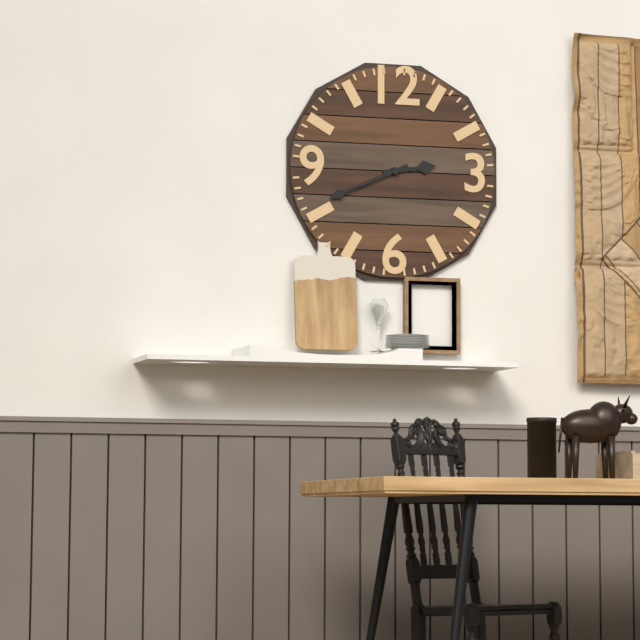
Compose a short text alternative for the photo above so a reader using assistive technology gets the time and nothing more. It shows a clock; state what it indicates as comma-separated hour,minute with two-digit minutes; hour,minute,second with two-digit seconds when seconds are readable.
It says 2,41
